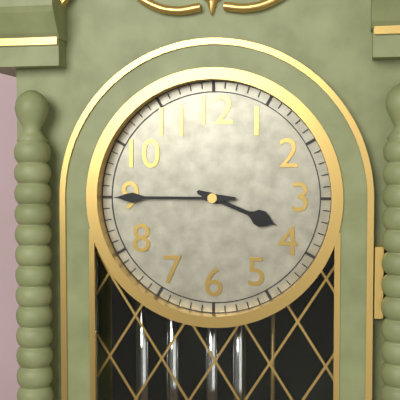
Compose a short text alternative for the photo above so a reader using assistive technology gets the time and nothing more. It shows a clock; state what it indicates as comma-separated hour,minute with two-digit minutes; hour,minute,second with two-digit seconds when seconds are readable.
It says 3,45
